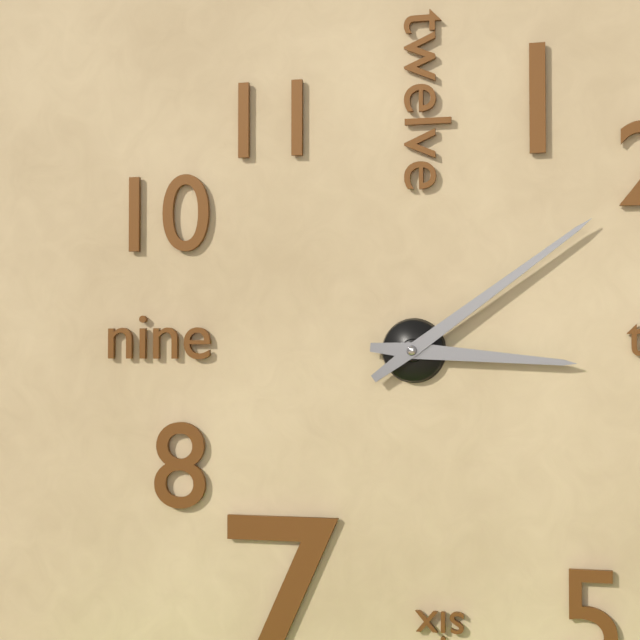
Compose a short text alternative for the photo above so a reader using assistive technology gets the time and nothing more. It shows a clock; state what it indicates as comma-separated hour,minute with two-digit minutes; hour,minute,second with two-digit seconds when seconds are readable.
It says 3,09
